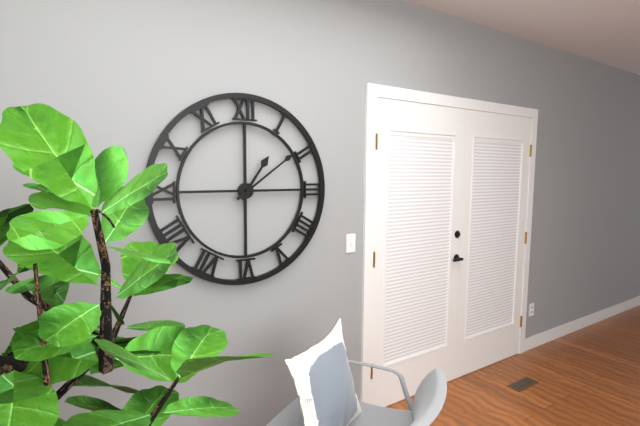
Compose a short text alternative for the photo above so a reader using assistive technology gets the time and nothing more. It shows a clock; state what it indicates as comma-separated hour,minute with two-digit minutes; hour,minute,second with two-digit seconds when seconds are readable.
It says 1,09
